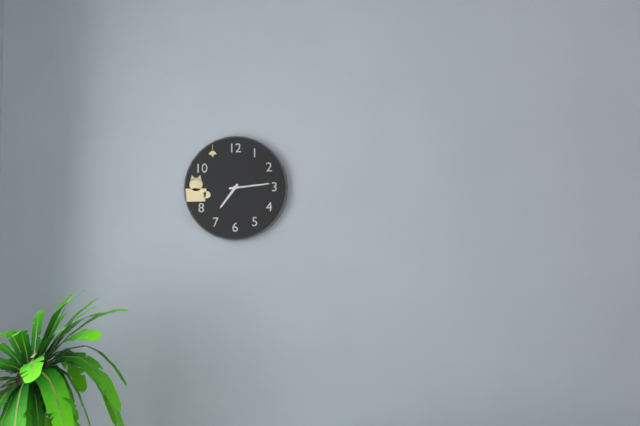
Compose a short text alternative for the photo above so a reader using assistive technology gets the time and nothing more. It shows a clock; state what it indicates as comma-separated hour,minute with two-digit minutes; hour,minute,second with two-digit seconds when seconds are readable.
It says 7,14
